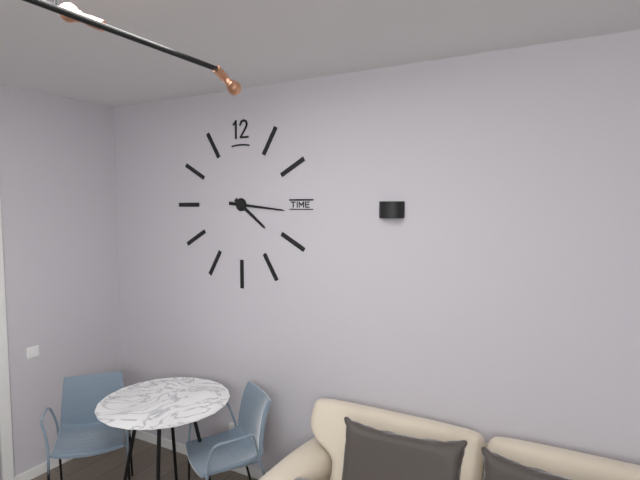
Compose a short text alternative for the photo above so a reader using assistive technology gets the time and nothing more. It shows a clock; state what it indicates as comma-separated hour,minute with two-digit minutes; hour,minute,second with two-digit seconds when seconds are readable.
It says 4,16
